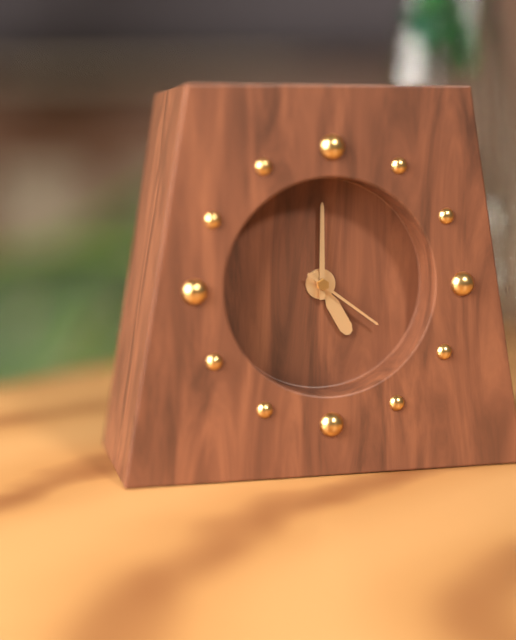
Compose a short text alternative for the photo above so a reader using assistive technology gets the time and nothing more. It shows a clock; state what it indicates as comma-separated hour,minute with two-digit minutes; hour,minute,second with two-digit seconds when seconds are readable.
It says 5,00,21
